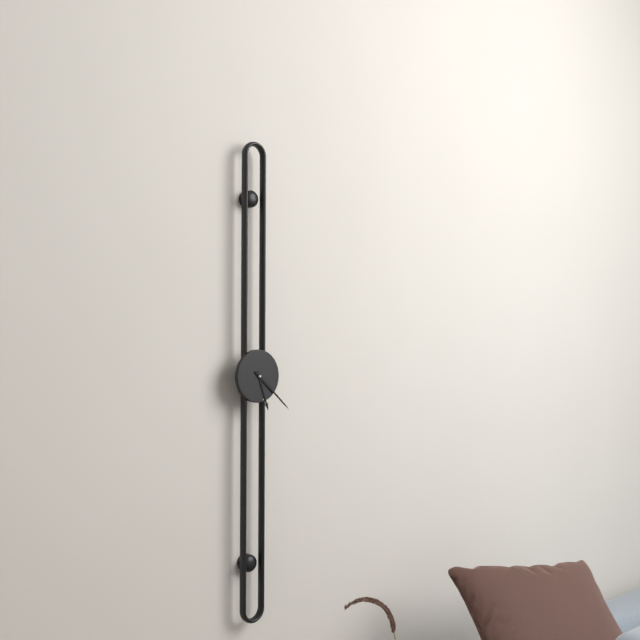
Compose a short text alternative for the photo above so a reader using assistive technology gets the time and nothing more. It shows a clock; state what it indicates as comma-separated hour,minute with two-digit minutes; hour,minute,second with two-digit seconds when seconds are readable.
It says 5,22
